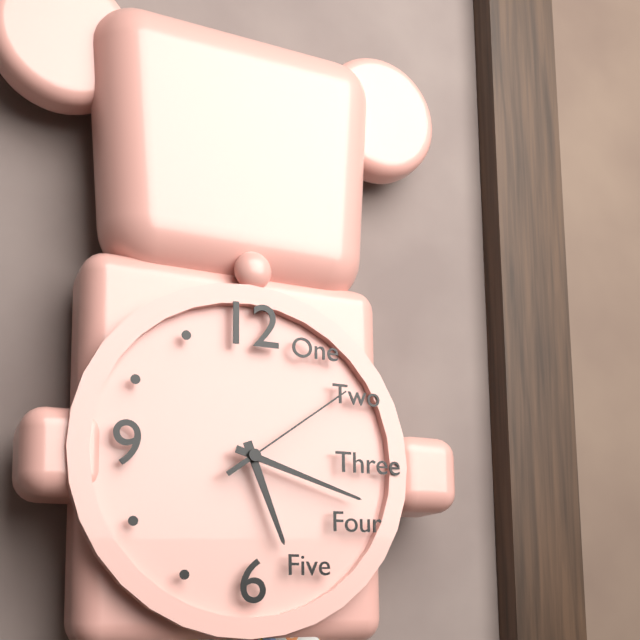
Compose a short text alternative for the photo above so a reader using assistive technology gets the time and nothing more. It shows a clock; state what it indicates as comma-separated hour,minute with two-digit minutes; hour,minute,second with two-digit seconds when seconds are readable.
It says 5,18,09
